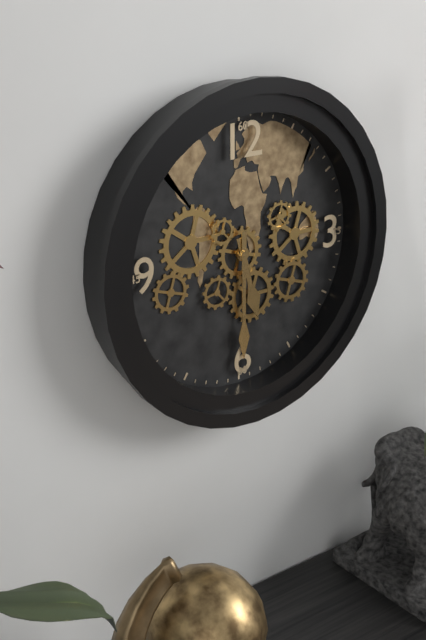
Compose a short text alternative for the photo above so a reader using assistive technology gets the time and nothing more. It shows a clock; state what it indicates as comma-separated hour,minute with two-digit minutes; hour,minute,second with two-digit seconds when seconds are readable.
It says 5,30
